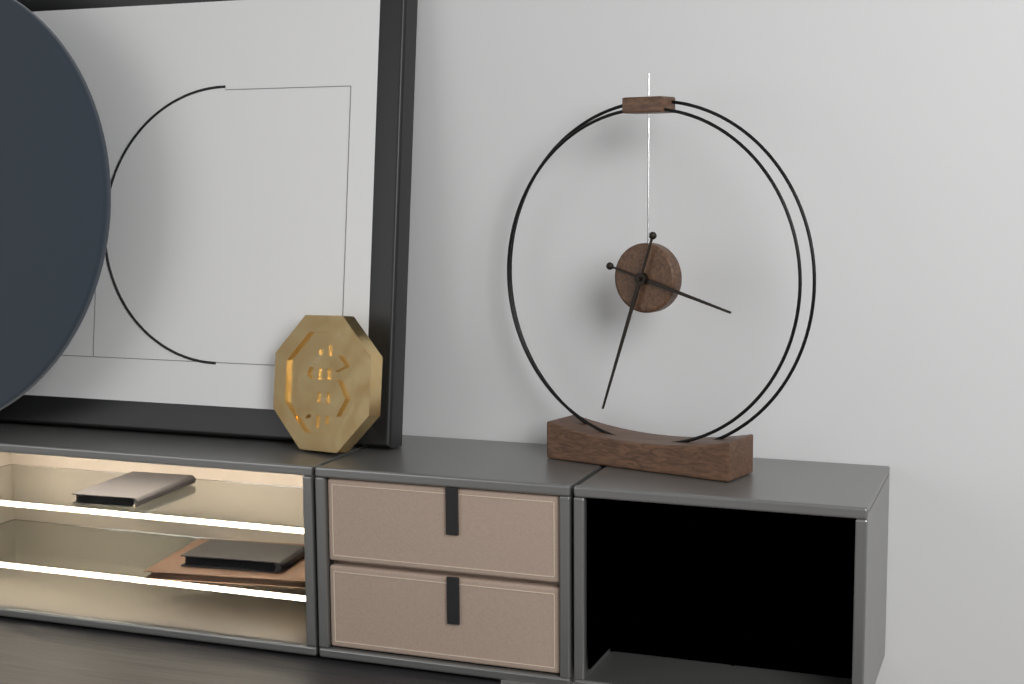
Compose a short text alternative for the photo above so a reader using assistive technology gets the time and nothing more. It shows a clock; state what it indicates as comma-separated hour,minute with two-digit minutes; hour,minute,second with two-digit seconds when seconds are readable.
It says 3,33
